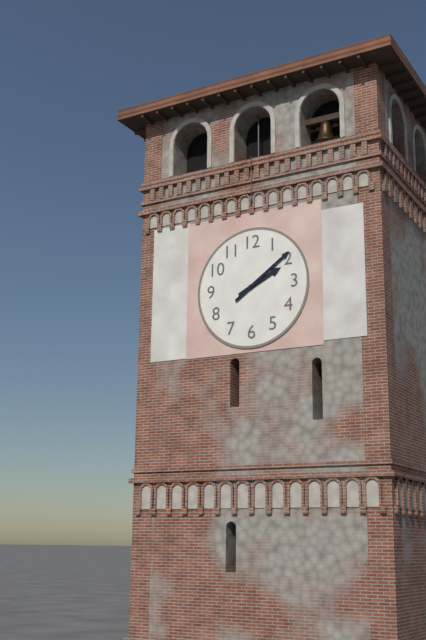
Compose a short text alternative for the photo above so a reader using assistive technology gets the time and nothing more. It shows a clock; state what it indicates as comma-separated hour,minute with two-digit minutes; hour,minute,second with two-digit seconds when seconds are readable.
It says 2,09
